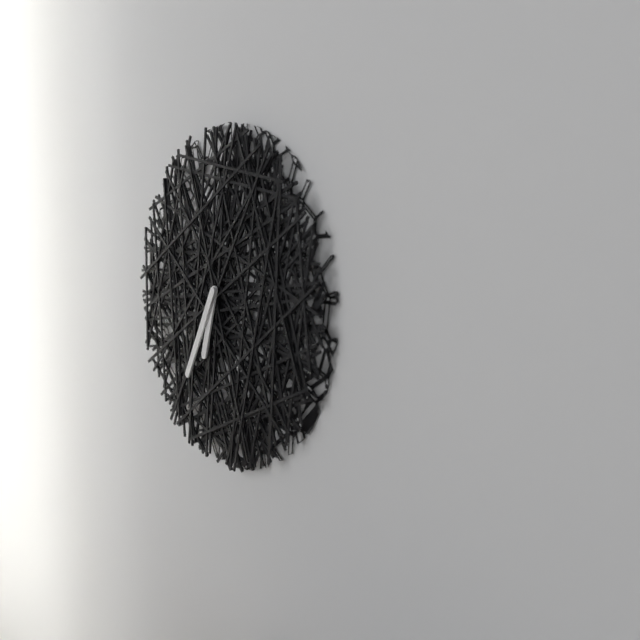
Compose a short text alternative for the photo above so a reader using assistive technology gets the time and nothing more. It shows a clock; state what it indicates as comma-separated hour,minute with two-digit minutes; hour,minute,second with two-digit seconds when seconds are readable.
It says 6,35
